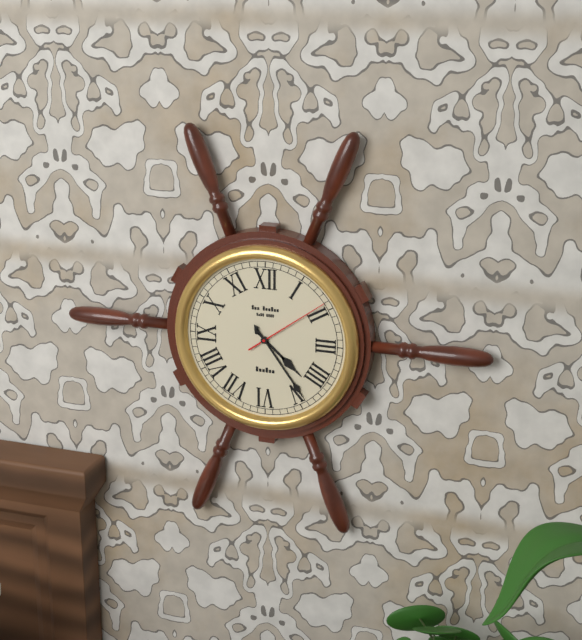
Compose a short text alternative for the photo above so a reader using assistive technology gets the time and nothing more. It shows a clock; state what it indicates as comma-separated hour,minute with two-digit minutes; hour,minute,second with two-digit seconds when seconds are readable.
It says 4,24,09
